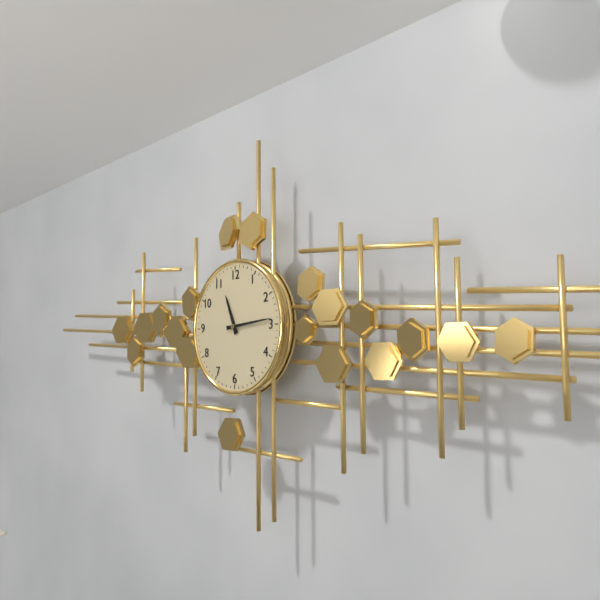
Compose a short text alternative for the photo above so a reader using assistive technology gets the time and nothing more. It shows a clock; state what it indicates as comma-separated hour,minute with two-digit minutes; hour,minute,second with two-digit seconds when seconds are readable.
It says 11,14
